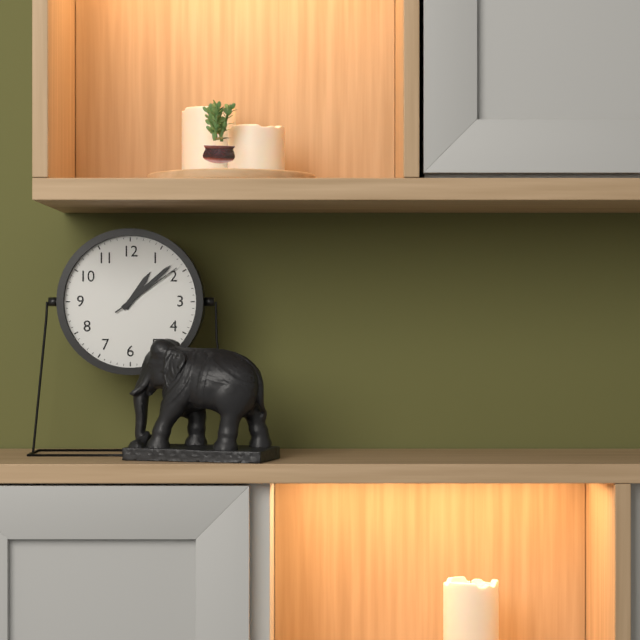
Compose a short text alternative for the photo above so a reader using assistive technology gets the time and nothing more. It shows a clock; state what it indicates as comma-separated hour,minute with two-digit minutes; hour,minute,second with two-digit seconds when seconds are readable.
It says 1,08,09
